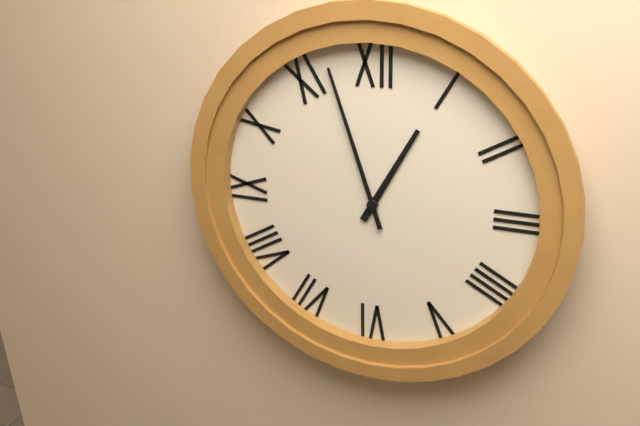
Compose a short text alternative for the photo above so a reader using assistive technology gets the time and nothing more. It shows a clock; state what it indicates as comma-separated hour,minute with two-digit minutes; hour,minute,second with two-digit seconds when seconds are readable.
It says 12,57
